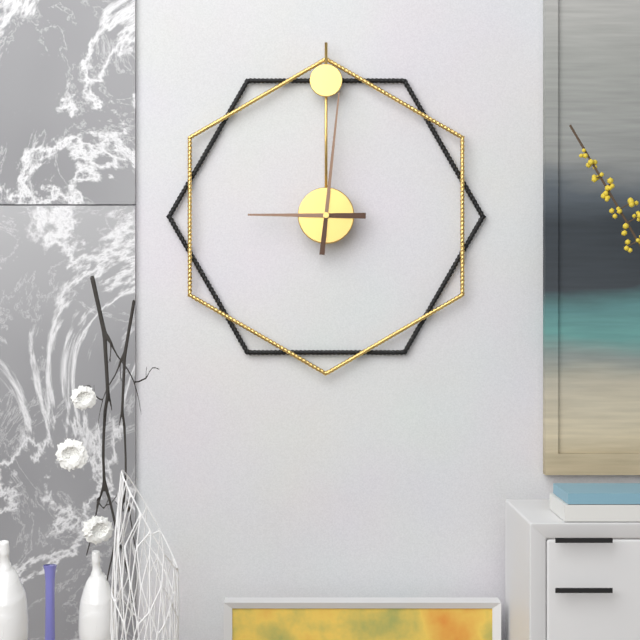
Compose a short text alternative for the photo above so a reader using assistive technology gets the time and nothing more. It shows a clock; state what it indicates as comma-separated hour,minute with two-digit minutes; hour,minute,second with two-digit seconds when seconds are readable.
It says 9,01
